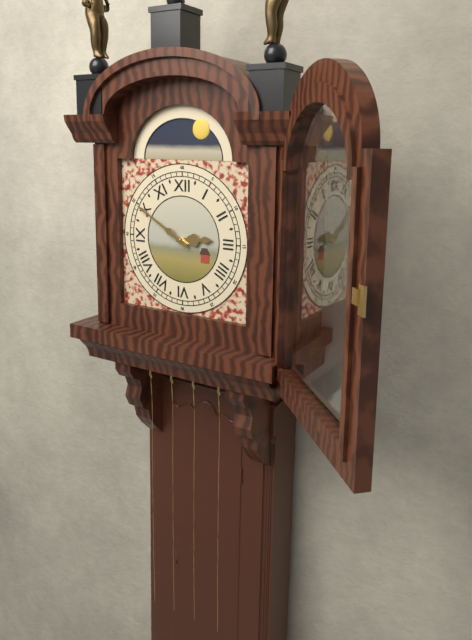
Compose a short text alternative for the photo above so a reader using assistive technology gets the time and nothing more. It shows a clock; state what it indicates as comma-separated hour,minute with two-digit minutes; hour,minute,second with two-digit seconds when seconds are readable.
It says 2,50
